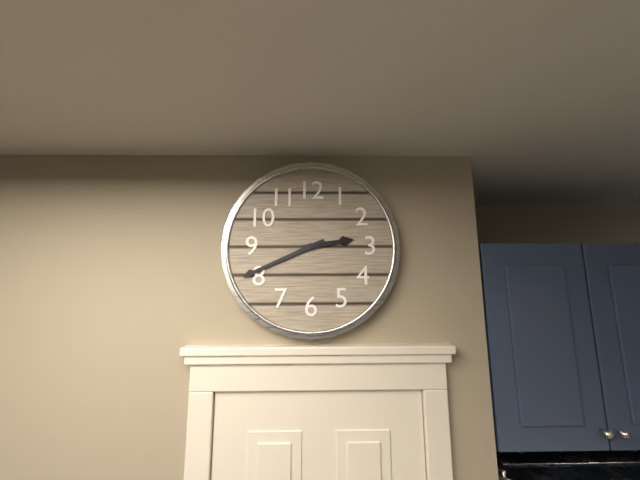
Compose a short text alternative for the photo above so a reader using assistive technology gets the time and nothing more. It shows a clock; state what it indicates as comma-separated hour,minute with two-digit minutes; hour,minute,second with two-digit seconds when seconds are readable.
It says 2,41
